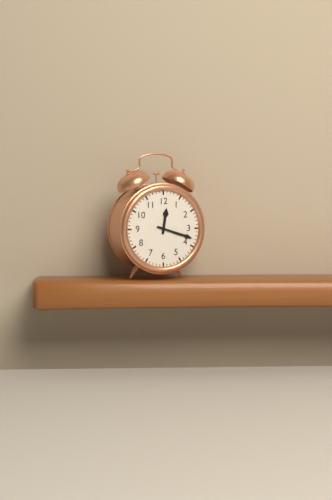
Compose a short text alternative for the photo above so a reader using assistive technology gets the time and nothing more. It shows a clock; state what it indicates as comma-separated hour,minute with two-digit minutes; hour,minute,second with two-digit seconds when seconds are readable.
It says 12,18
